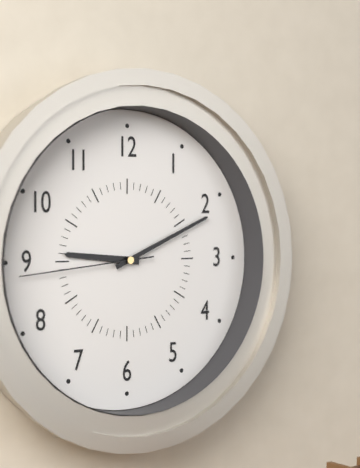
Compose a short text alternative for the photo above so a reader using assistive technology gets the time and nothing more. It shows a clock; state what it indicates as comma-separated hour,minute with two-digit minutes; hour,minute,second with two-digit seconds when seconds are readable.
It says 9,11,44
